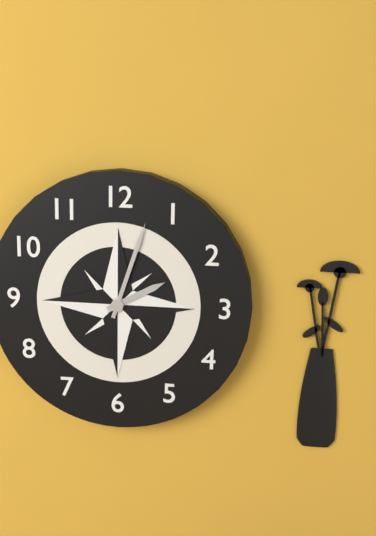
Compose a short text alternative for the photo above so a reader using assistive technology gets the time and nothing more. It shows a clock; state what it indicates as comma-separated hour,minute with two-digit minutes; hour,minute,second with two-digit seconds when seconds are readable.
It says 2,03
